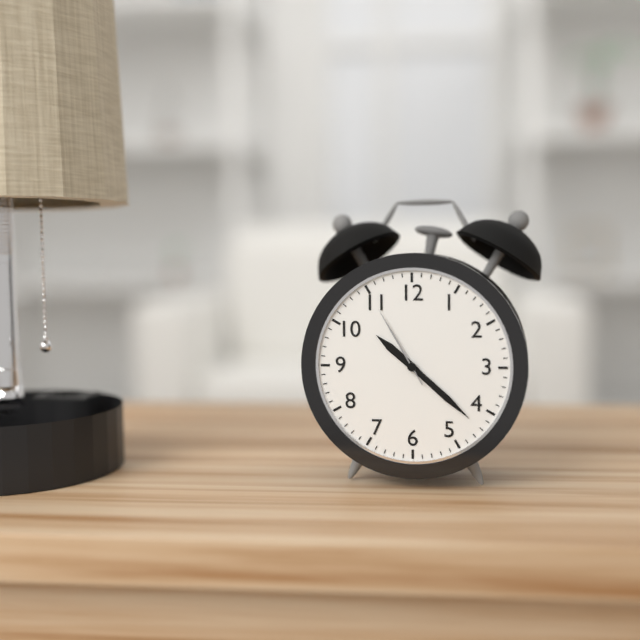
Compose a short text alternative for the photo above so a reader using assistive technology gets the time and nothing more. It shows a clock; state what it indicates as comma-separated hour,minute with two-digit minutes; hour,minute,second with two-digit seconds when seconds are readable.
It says 10,22,55
